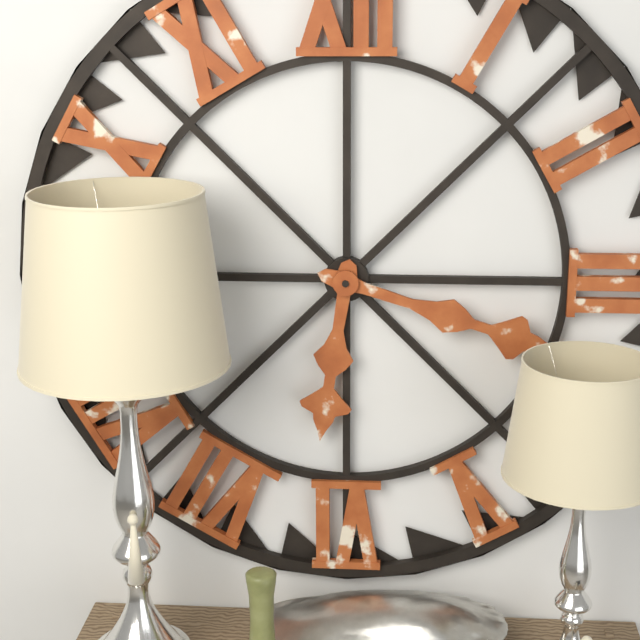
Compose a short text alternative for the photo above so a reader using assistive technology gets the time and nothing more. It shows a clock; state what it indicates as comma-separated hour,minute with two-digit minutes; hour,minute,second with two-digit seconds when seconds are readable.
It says 6,18
